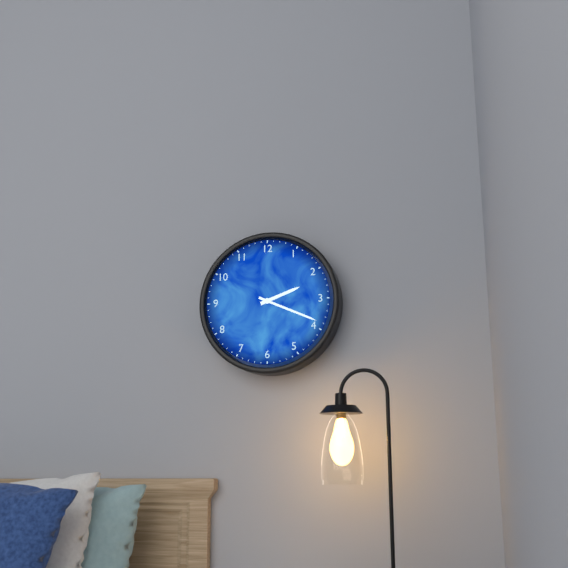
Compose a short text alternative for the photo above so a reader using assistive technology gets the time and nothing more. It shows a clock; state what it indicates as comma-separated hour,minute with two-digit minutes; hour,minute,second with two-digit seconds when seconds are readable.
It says 2,19
